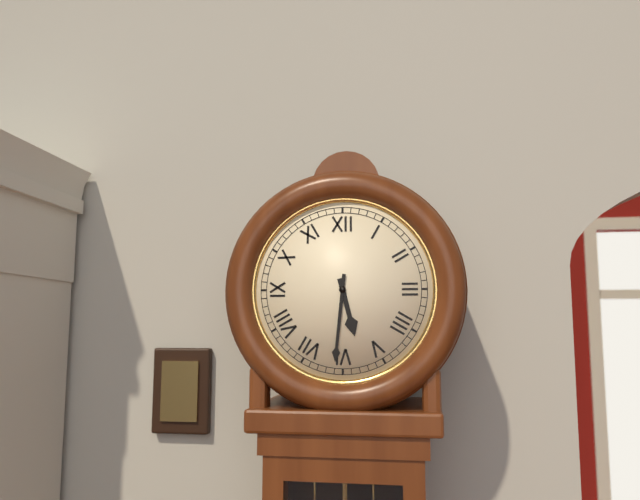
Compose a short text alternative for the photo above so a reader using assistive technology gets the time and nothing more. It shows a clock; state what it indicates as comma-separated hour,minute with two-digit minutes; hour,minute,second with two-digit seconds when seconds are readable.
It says 5,31
